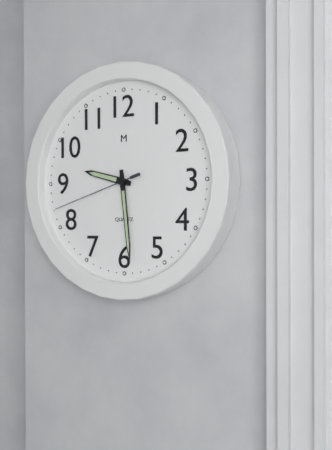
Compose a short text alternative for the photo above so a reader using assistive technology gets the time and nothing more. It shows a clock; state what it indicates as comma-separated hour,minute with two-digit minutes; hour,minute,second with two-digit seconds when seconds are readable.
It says 9,29,42
